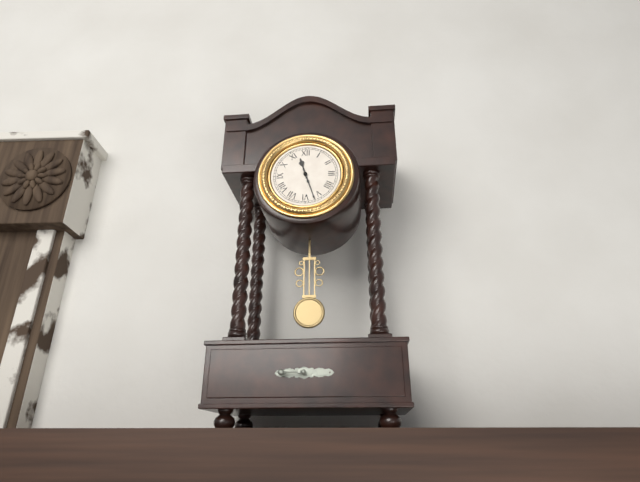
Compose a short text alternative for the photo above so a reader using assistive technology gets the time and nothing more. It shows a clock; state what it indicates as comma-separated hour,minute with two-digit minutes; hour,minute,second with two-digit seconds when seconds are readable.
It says 11,27
